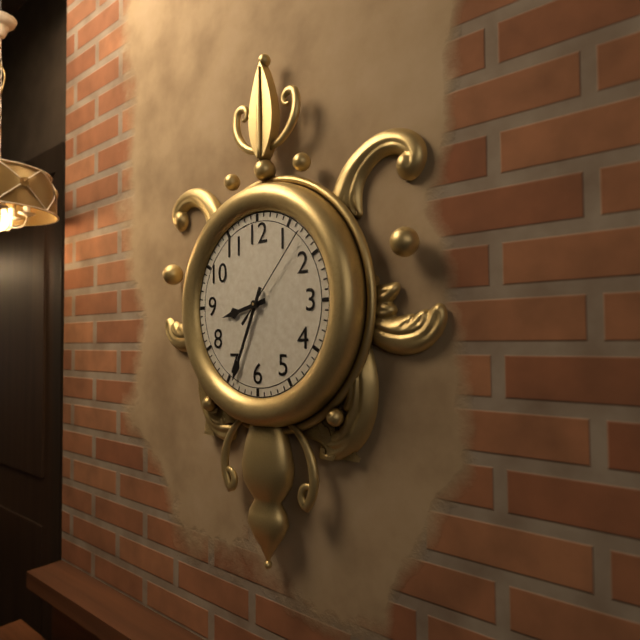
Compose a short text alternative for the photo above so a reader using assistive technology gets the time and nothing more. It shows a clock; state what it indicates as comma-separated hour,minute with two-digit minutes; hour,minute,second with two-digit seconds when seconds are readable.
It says 8,34,07
